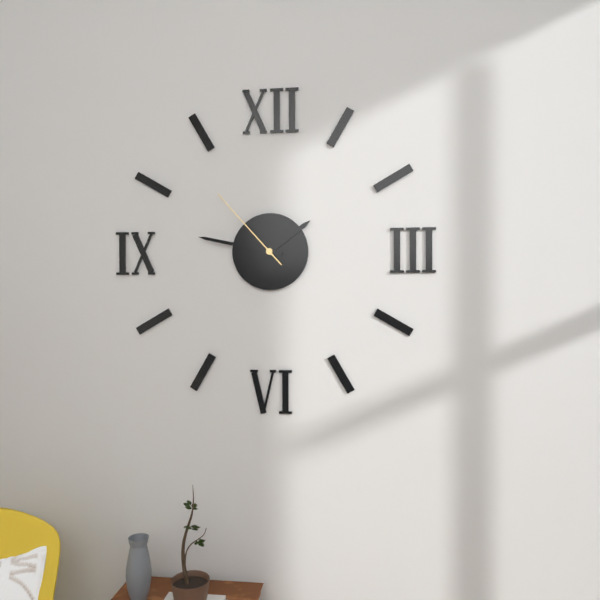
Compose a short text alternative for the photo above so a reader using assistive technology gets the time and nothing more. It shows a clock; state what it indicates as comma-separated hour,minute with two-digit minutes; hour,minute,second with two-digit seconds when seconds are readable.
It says 1,47,53
